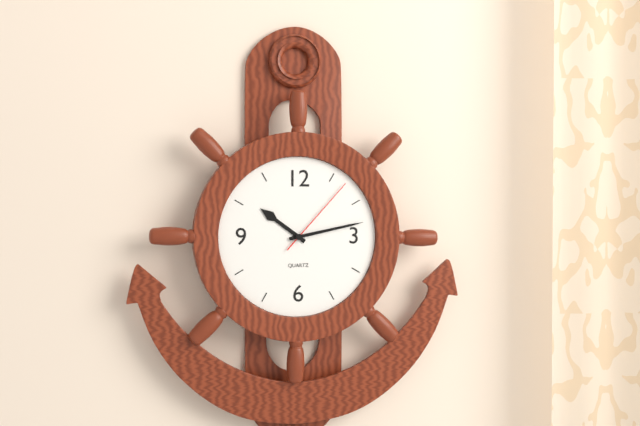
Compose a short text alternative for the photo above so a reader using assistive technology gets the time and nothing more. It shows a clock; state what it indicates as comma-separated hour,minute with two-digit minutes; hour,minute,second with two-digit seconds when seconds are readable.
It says 10,13,07
